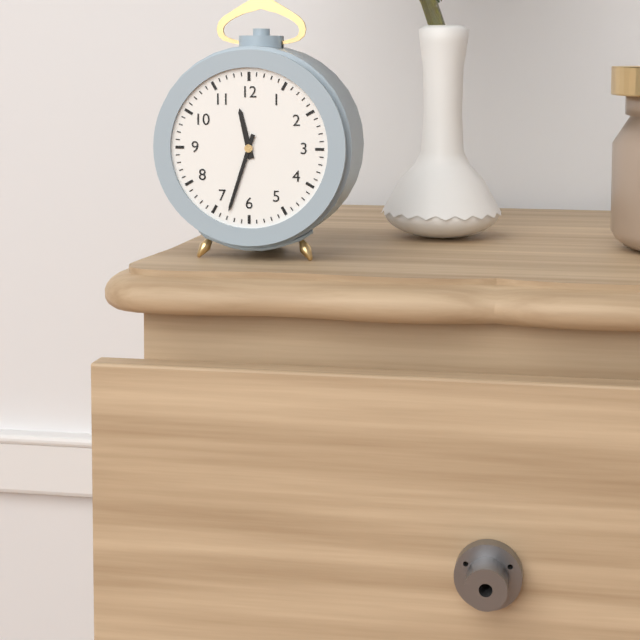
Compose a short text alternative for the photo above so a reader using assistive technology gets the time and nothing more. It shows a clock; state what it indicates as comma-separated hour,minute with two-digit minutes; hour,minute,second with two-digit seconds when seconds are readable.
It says 11,33
